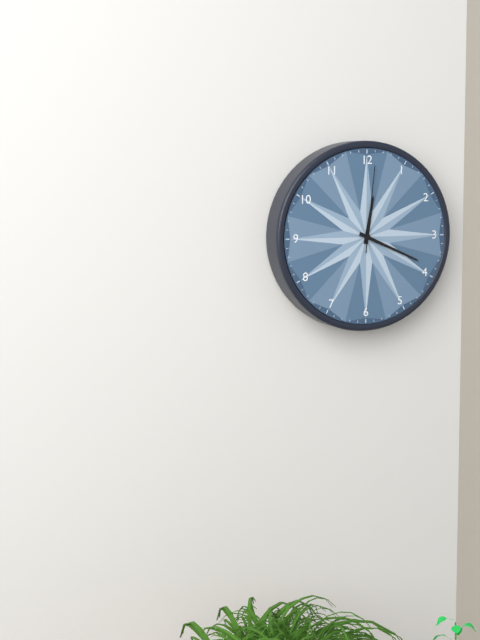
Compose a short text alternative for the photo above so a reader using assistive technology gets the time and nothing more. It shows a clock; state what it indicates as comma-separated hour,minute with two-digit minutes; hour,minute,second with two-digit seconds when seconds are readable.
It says 12,19,01
